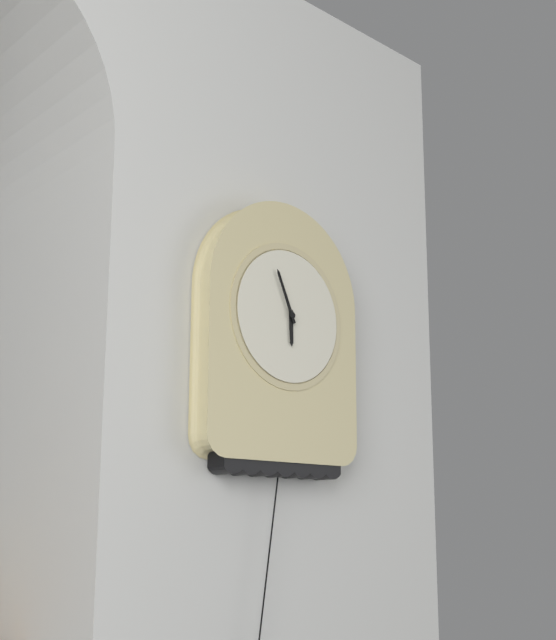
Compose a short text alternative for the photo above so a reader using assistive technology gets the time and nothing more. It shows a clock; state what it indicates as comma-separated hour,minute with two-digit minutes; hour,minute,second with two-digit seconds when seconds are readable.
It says 5,56
